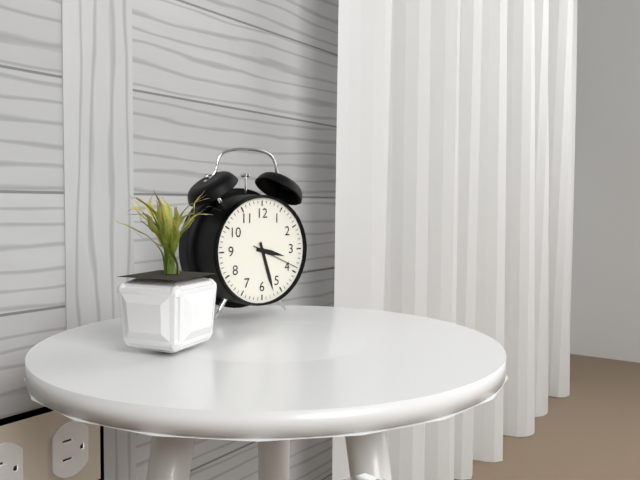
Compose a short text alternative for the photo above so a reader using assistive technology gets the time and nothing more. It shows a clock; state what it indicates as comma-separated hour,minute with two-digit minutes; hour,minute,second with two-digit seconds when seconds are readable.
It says 3,27,19
